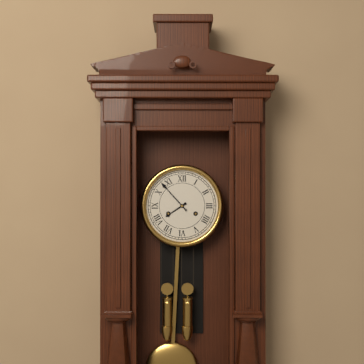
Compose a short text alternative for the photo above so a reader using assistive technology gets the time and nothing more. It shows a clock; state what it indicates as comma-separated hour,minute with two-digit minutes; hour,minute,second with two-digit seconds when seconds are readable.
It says 7,53
